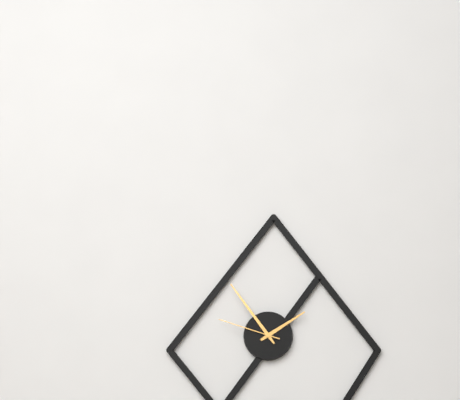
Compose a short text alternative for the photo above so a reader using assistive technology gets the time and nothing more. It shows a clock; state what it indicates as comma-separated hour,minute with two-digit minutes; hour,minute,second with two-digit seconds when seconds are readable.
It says 1,54,48
